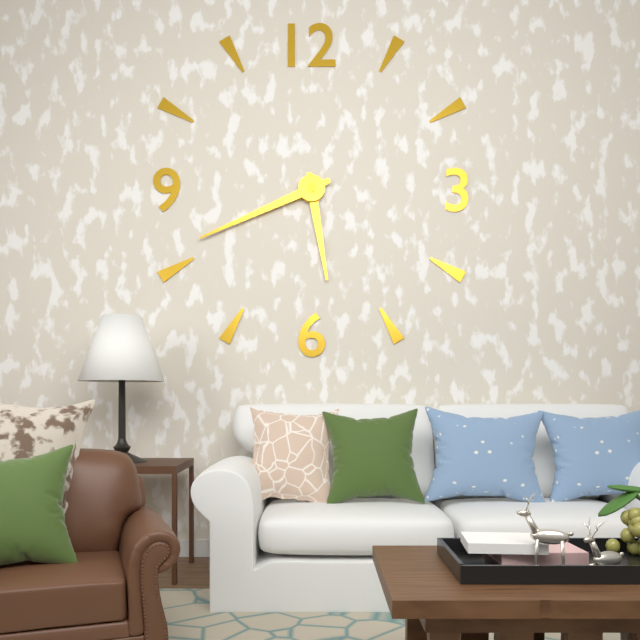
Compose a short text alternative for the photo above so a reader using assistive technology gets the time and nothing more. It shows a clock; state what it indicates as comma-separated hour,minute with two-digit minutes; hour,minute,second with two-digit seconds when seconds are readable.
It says 5,41
